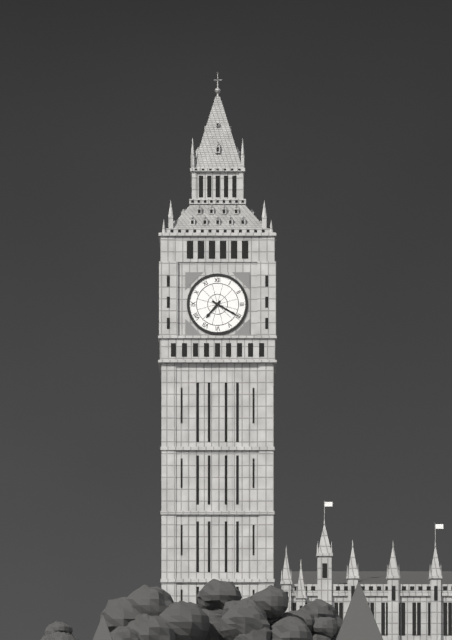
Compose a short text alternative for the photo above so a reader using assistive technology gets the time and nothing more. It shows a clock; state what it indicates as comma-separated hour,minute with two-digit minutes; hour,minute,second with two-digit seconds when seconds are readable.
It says 7,20
